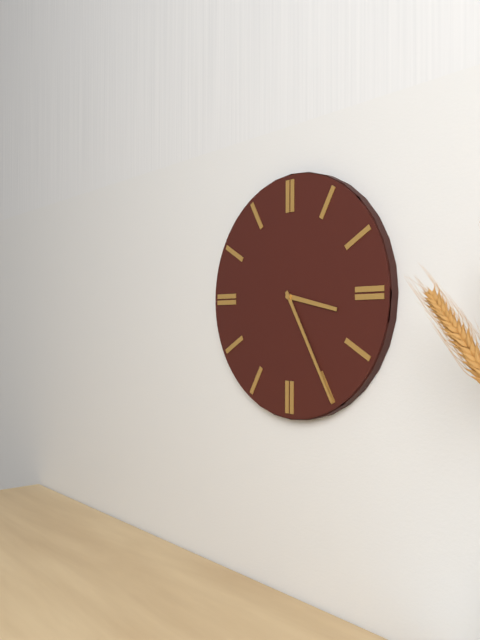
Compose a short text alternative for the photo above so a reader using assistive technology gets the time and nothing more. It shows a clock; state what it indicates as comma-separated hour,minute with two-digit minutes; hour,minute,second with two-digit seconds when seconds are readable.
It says 3,25
